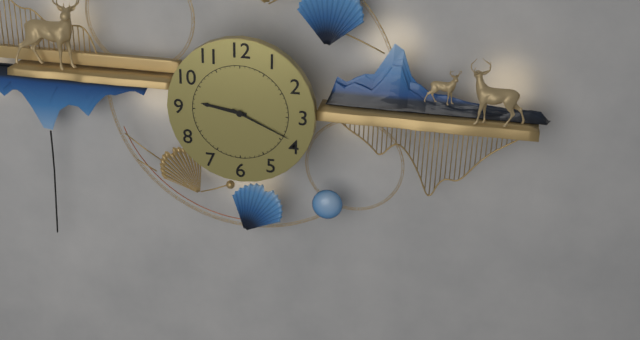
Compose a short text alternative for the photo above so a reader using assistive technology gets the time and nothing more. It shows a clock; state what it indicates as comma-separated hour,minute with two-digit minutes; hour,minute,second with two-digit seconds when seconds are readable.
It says 9,19
